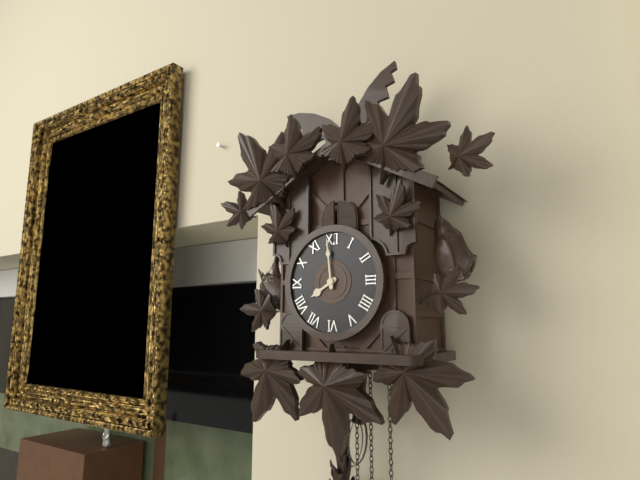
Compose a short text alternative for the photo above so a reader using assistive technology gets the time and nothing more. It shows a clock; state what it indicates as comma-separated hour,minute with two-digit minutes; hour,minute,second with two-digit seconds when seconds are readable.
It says 7,59
